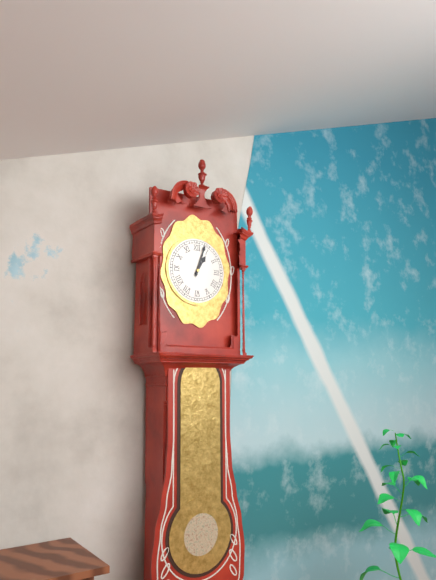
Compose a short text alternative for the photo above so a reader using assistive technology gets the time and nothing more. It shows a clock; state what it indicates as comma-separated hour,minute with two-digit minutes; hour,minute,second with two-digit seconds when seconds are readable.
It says 1,03
